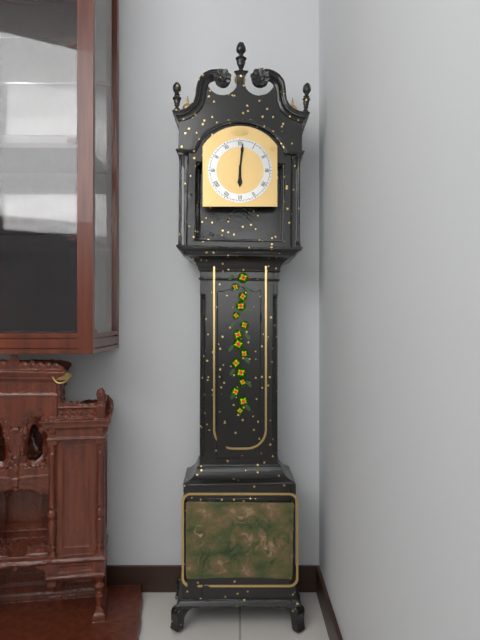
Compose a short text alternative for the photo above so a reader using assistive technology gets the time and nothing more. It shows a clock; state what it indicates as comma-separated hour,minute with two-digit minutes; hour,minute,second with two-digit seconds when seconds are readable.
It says 6,01
